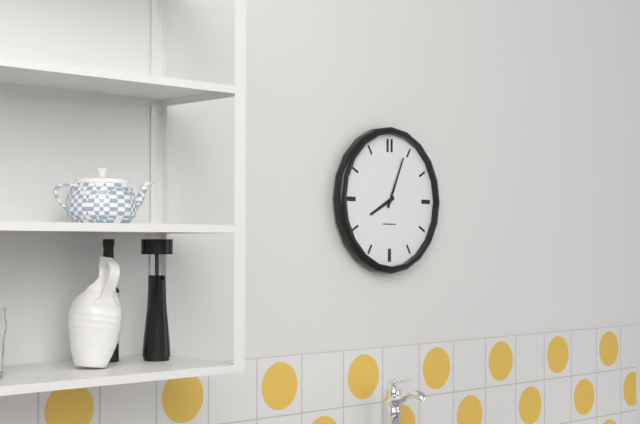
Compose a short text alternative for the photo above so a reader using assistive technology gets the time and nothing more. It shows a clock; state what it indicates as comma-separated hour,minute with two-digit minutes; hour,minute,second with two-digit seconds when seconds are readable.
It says 8,04
